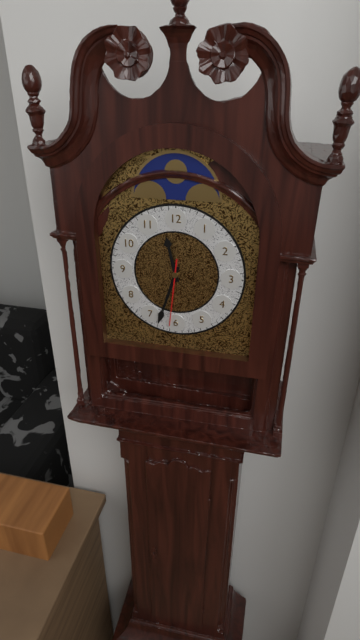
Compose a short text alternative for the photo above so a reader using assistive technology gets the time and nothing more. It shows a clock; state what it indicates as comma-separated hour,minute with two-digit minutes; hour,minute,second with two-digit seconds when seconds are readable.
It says 11,33,31
